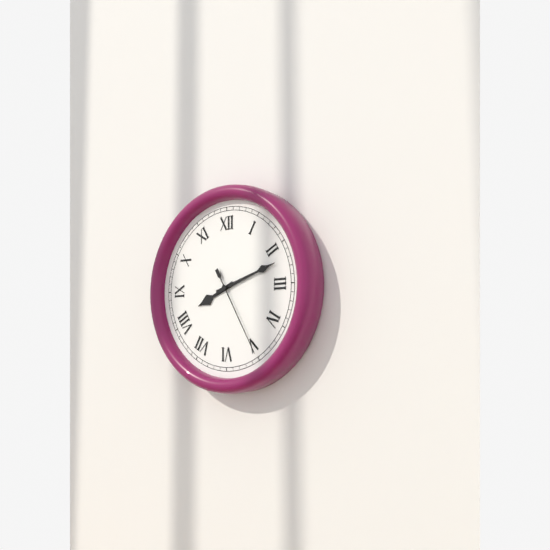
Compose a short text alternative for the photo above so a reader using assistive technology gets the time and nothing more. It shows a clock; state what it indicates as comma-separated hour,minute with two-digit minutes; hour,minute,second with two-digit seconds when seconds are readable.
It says 8,12,25
